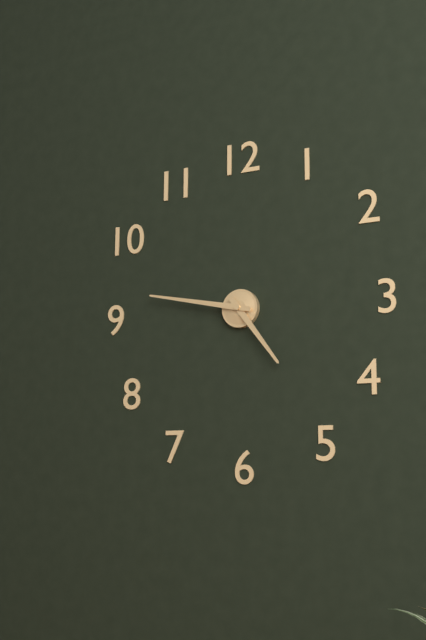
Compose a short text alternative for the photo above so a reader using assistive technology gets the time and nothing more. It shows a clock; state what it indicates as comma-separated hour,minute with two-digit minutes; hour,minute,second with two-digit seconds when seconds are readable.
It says 4,47
